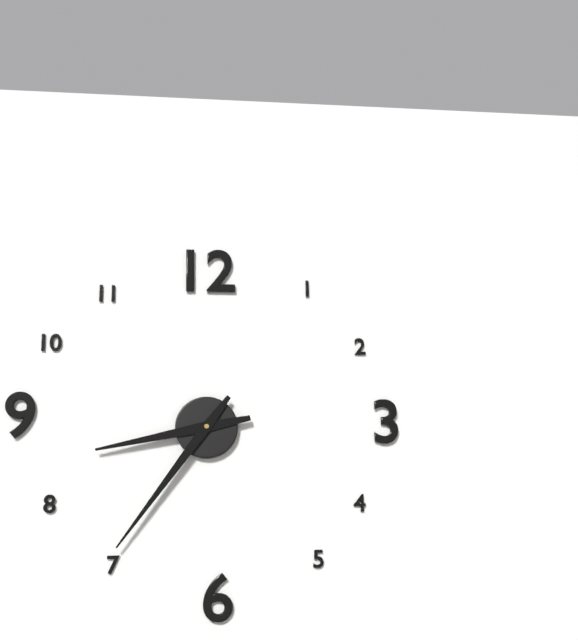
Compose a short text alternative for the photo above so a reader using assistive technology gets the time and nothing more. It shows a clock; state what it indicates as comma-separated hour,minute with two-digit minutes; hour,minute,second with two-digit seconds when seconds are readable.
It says 8,36
